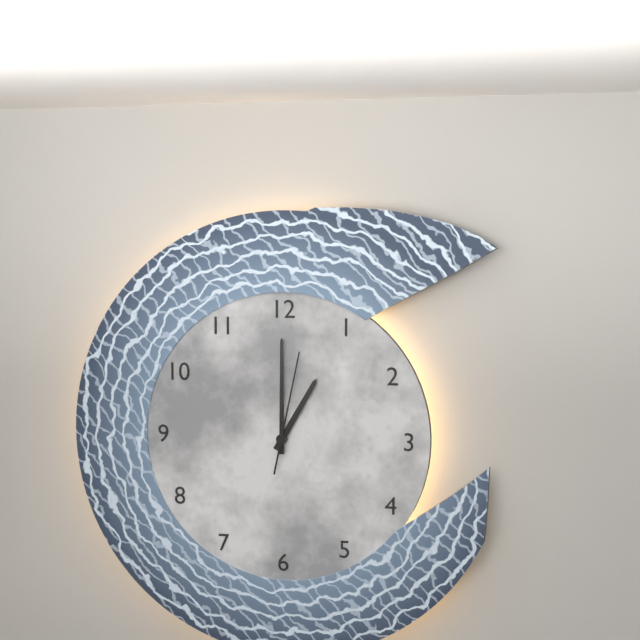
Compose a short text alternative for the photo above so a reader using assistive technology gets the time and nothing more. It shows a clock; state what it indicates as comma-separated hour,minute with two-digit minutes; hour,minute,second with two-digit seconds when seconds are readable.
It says 1,00,02
